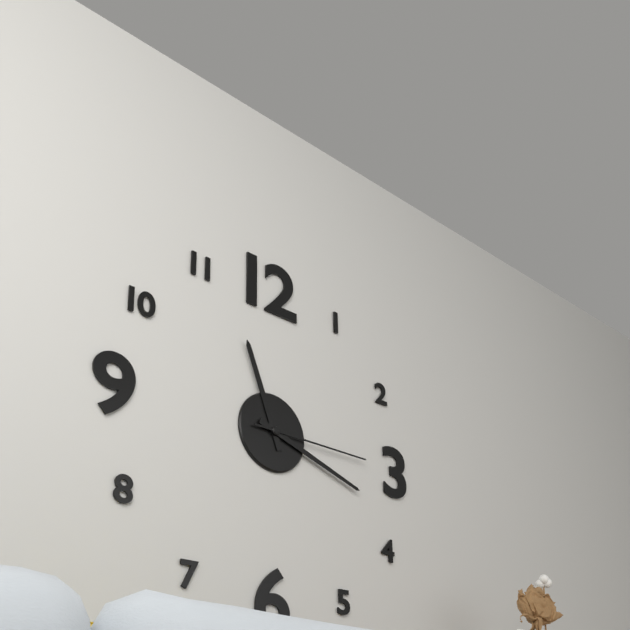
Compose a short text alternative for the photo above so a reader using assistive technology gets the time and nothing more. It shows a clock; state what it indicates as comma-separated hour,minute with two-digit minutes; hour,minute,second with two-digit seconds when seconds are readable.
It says 11,18,15
